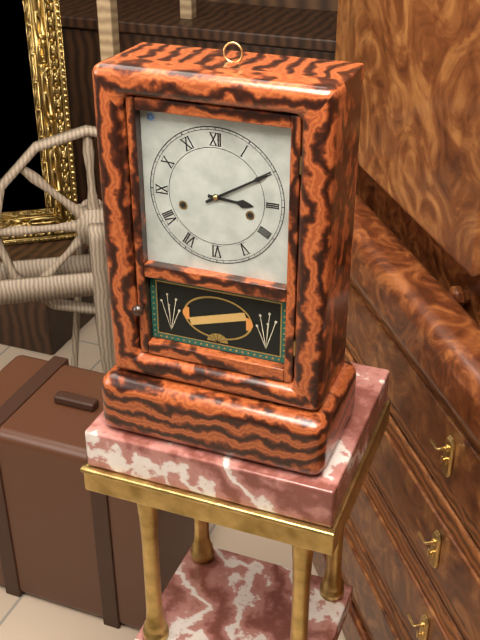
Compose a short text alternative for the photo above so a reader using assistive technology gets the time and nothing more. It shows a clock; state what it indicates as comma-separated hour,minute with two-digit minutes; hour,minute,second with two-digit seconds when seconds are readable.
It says 3,10
